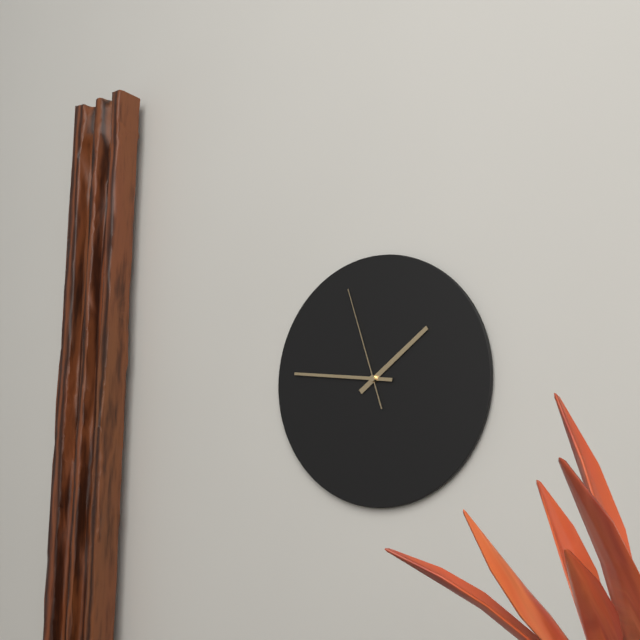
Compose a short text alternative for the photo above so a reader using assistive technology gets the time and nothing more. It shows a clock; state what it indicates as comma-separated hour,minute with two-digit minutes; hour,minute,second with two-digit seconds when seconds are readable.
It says 1,46,57
